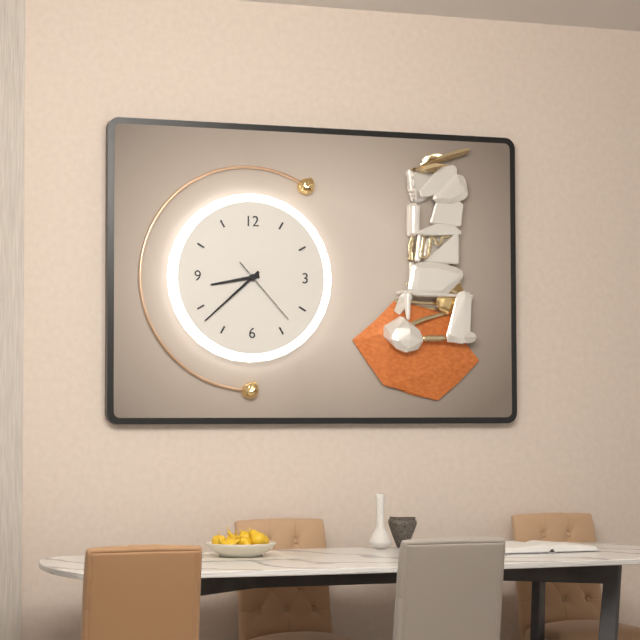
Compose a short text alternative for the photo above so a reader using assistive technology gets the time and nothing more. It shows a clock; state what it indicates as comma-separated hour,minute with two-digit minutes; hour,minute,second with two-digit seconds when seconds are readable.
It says 8,38,23
